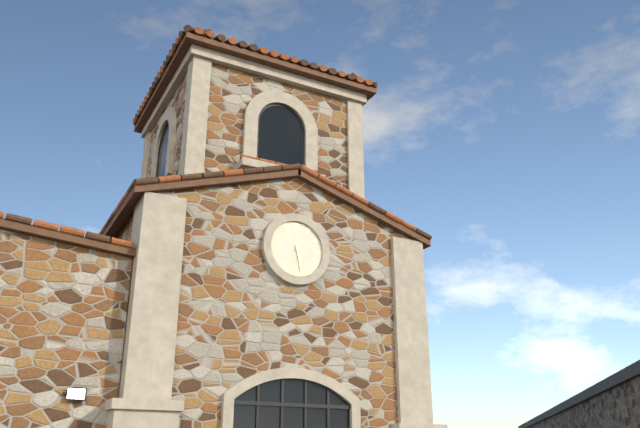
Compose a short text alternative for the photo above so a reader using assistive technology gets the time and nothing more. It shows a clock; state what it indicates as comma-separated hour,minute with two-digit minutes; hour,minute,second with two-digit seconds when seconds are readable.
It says 5,28
